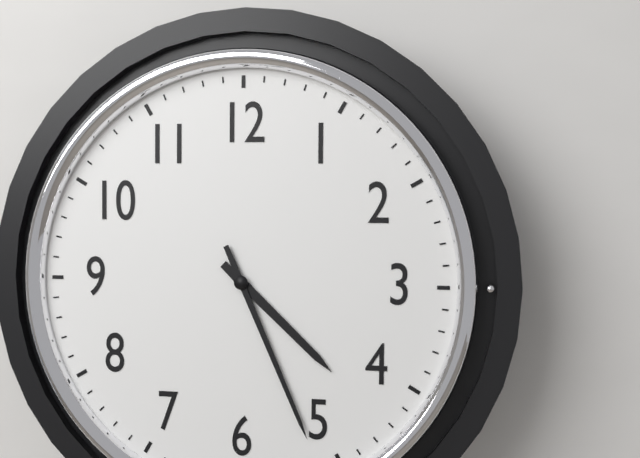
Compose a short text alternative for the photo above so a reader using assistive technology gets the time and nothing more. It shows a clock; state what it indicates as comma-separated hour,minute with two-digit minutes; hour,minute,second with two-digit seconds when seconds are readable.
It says 4,26
